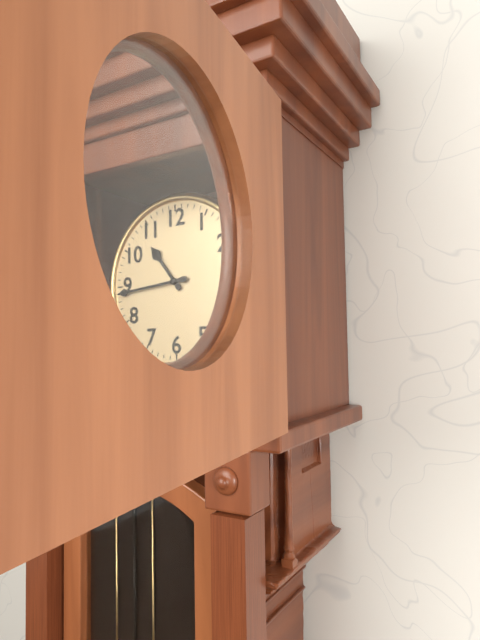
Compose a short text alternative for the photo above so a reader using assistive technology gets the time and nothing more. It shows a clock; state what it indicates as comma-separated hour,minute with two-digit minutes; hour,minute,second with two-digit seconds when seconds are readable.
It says 10,44
